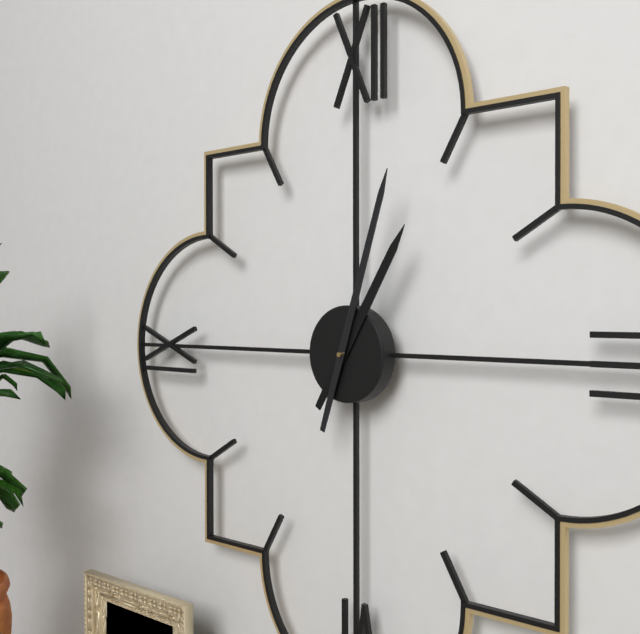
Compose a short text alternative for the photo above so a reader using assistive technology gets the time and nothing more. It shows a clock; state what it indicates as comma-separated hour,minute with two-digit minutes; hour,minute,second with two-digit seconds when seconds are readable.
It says 1,03
